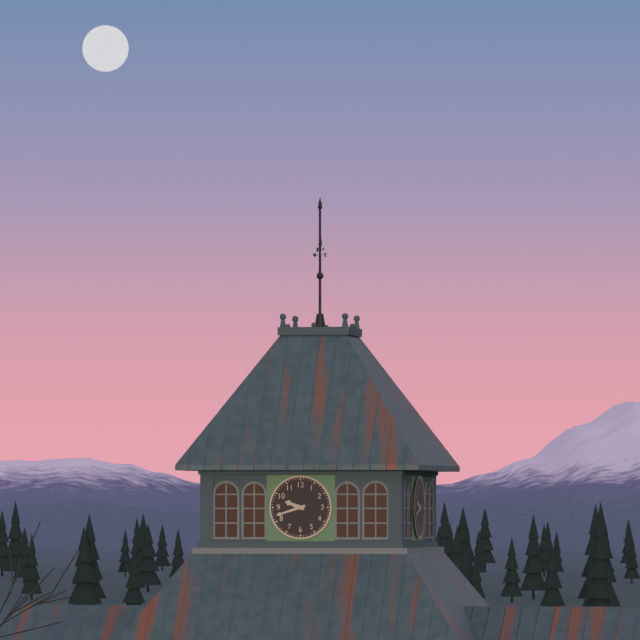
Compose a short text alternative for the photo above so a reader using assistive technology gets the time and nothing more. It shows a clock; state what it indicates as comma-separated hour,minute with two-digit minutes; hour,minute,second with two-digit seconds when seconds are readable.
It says 9,42
